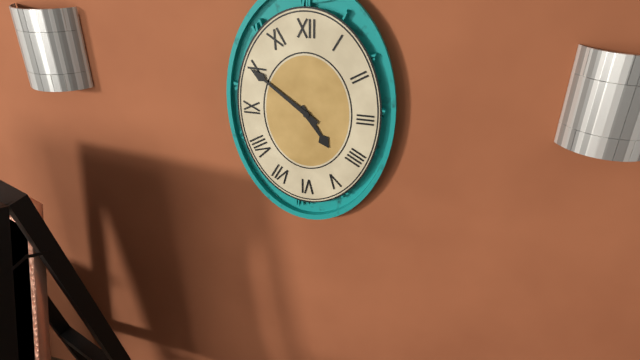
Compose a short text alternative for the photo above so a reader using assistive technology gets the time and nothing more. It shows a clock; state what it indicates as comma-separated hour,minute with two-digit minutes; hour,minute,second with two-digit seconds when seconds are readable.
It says 4,51
